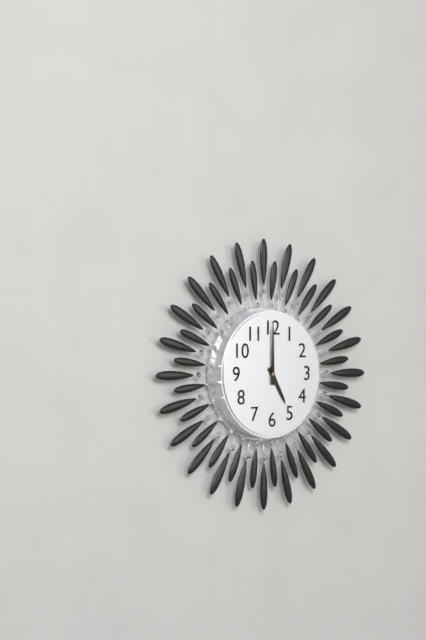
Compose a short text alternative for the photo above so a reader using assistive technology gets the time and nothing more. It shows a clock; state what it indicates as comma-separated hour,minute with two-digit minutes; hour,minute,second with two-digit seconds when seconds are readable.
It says 5,00
